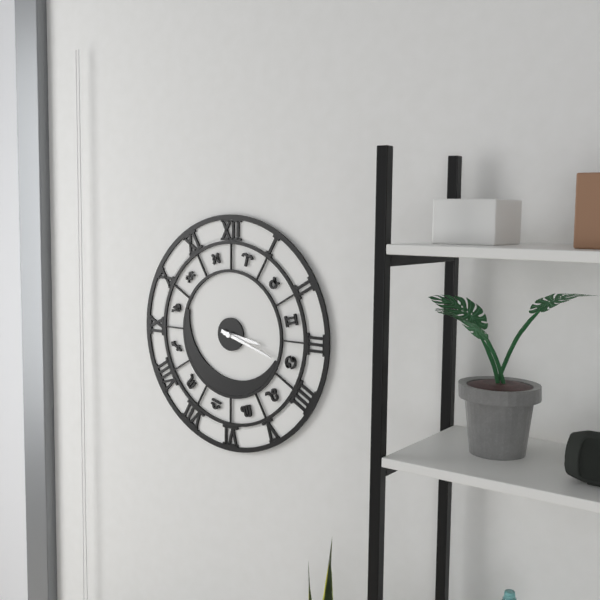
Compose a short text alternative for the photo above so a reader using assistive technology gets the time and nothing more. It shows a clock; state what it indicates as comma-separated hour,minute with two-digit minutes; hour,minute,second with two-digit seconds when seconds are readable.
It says 3,18
